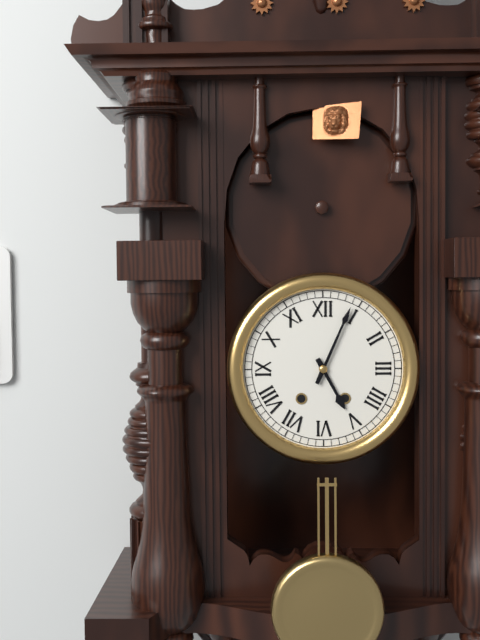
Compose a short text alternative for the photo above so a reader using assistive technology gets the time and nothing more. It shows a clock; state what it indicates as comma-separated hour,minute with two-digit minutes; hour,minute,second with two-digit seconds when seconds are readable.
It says 5,04
